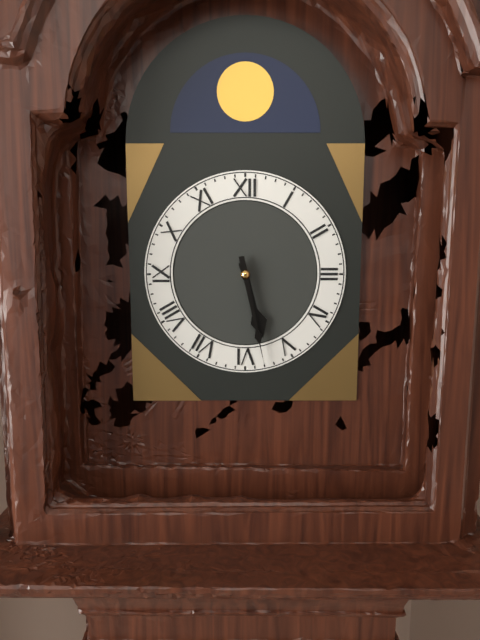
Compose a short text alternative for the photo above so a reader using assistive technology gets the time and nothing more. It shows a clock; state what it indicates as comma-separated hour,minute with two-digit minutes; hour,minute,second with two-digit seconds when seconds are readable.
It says 5,28
